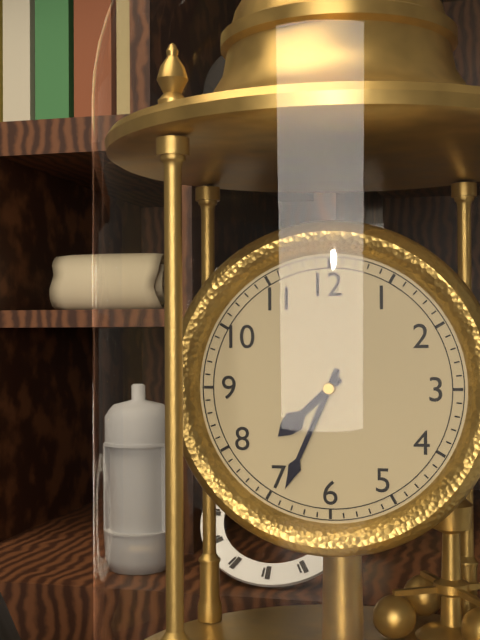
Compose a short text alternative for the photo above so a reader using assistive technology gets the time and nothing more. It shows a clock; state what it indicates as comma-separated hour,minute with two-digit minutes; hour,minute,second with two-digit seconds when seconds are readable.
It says 7,34
